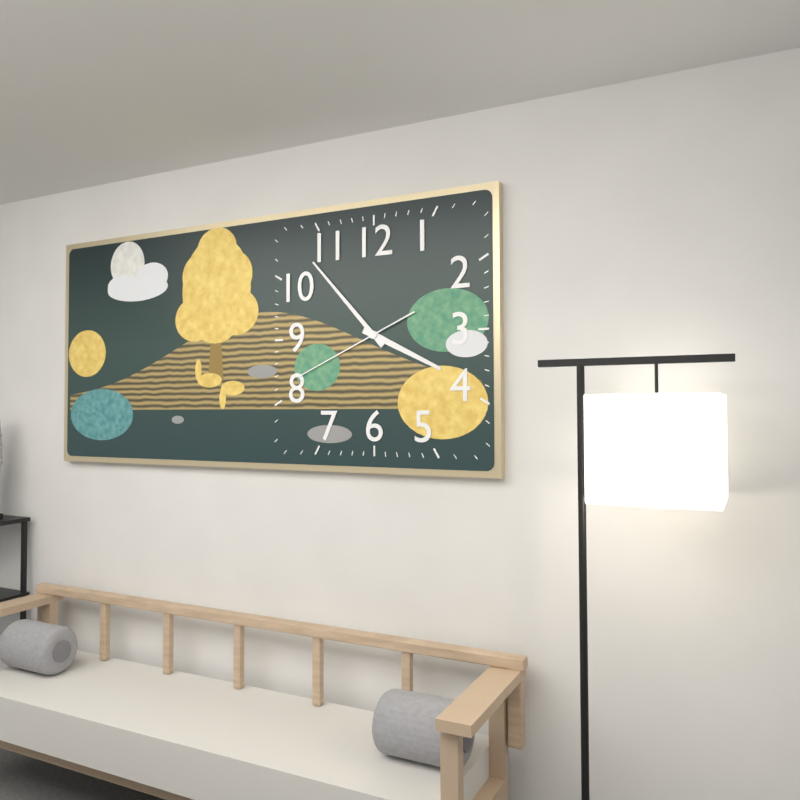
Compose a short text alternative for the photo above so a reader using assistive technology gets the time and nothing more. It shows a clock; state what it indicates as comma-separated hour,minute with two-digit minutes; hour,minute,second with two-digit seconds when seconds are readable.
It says 3,53,41
